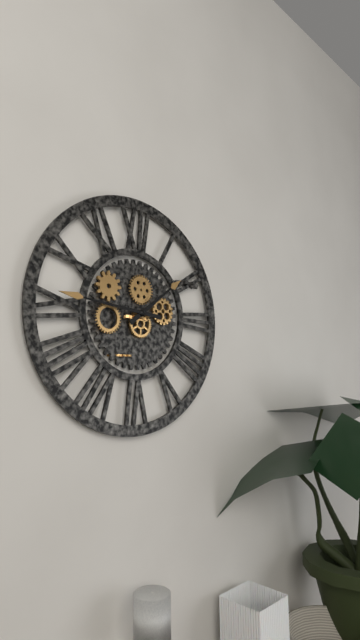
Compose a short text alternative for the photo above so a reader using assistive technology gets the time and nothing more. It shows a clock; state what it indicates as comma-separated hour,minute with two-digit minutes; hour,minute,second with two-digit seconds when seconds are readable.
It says 1,46
